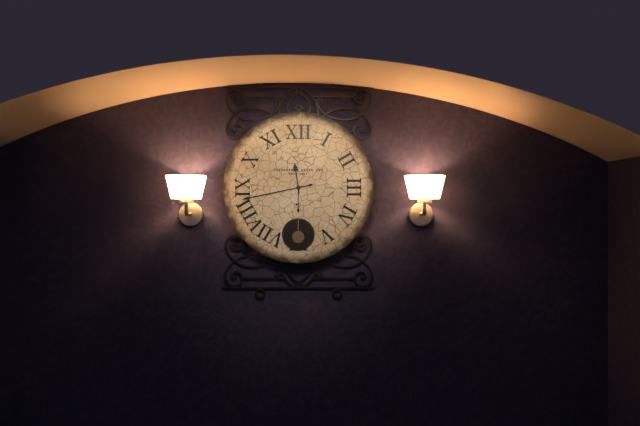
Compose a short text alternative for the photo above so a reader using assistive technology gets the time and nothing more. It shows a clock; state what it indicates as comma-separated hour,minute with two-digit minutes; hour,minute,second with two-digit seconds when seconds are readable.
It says 11,43
